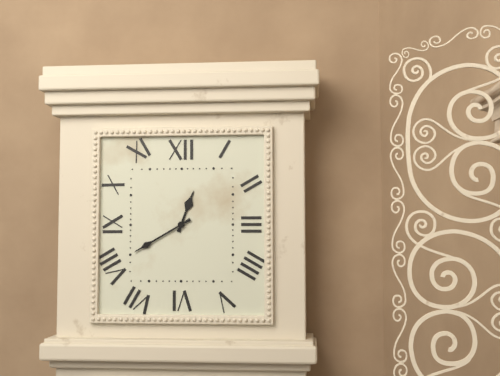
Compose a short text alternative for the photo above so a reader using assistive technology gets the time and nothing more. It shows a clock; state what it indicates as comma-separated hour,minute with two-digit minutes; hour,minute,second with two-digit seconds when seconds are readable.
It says 12,40
